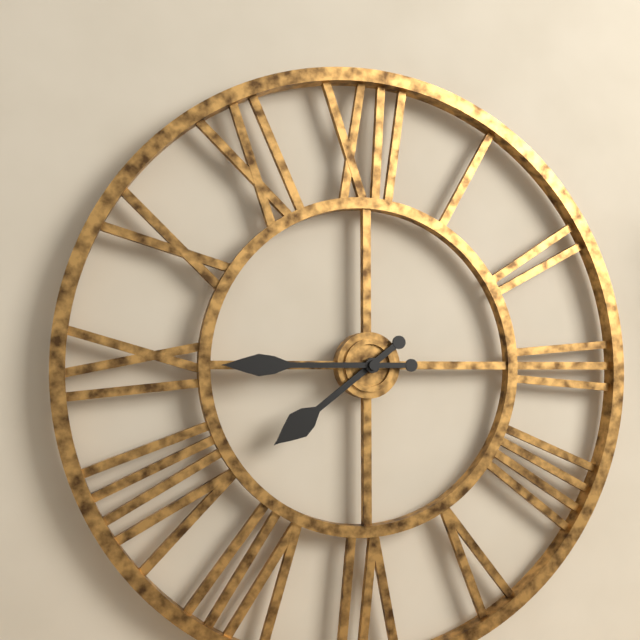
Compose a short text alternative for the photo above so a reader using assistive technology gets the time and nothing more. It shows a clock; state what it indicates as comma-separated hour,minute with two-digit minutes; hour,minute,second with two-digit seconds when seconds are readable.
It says 7,45
